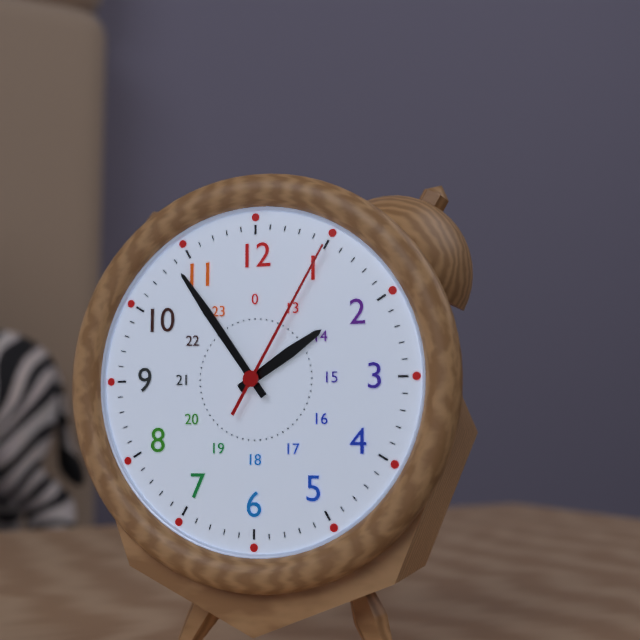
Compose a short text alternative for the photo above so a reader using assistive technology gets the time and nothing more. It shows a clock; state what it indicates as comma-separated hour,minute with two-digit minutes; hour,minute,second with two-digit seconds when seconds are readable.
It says 1,54,05
